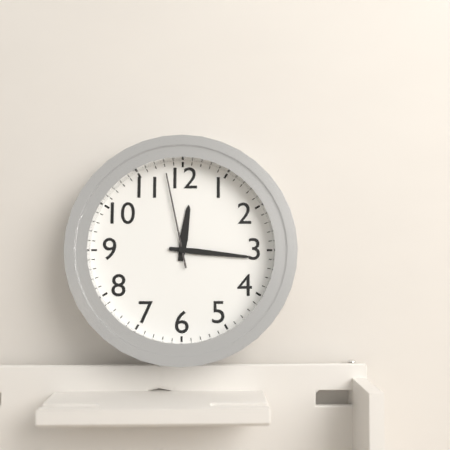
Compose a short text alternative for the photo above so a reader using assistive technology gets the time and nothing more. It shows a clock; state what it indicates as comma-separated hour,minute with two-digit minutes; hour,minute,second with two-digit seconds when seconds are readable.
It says 12,16,58
